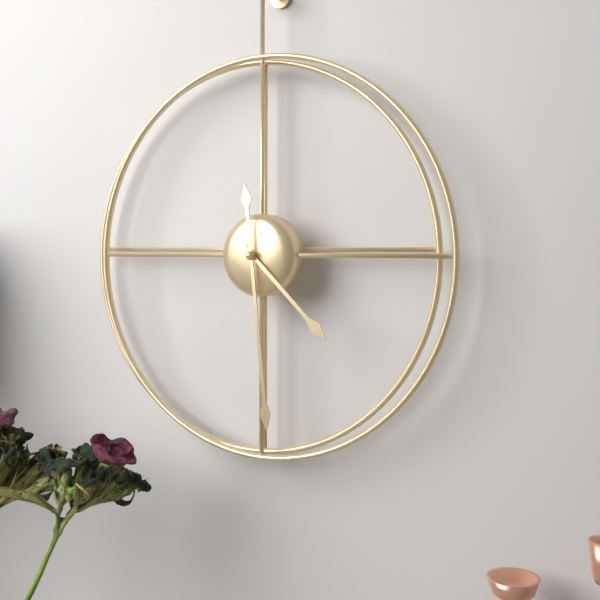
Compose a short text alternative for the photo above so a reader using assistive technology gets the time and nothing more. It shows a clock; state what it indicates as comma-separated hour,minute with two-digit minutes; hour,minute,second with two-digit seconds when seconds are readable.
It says 4,29
